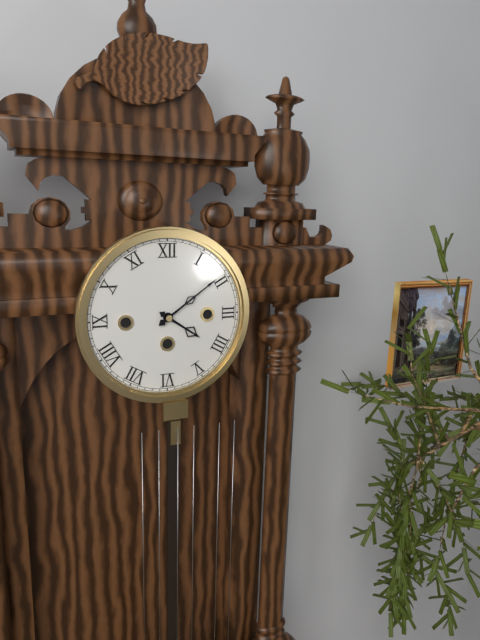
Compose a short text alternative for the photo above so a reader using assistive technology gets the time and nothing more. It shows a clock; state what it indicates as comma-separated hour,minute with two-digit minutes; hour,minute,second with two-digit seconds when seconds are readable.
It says 4,09
